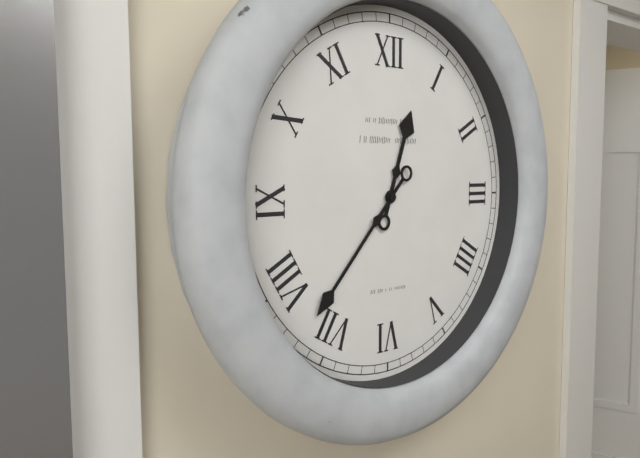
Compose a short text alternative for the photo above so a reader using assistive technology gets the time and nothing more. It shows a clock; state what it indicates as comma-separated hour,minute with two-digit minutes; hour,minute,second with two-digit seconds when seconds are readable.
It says 12,37
